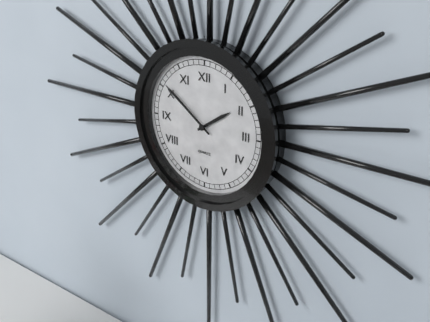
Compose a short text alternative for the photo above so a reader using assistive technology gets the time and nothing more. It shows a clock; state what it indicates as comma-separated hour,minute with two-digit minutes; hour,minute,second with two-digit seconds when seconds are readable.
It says 1,51
